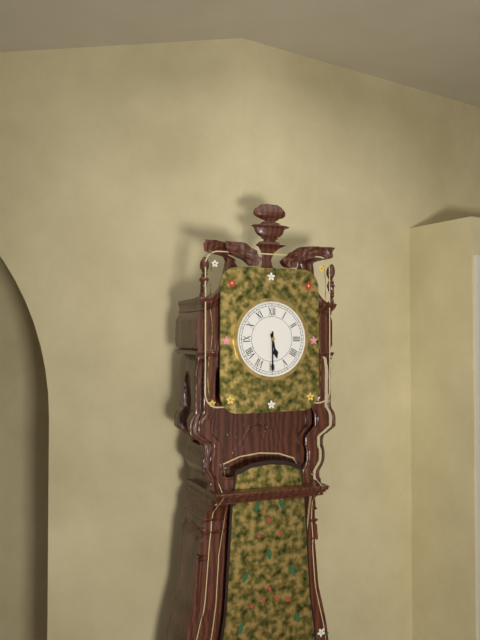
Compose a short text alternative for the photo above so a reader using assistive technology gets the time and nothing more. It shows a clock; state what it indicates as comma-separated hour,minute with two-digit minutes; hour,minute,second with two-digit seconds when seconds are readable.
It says 5,30
